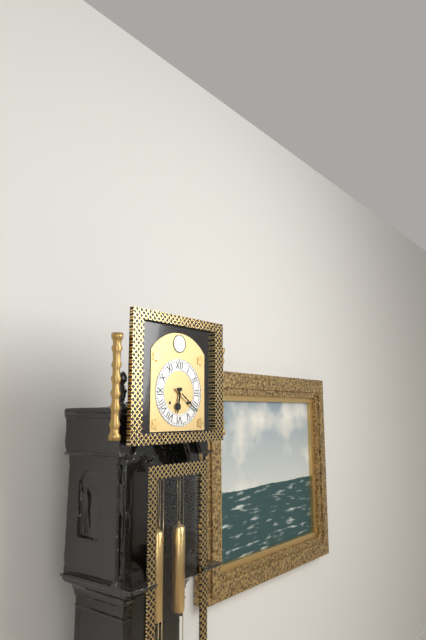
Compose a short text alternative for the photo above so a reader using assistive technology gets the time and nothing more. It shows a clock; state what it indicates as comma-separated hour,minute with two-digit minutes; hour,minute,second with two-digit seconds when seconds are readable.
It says 6,21
